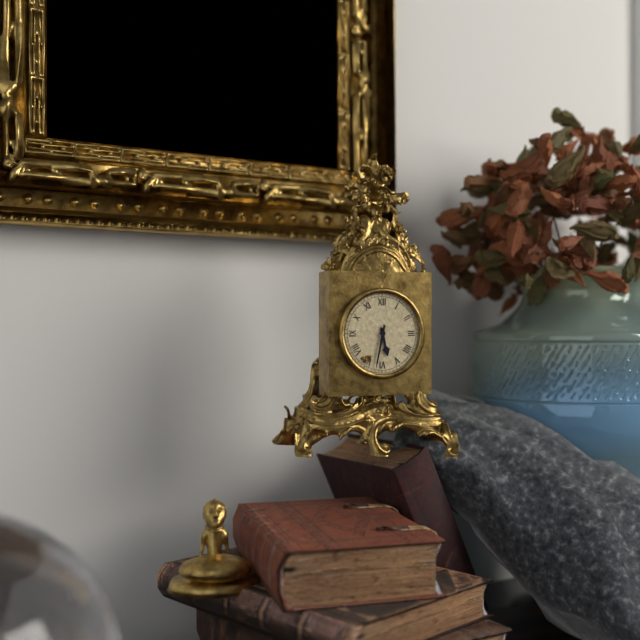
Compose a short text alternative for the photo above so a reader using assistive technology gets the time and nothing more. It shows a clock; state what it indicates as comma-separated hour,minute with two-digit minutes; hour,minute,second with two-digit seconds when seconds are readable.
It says 5,32
